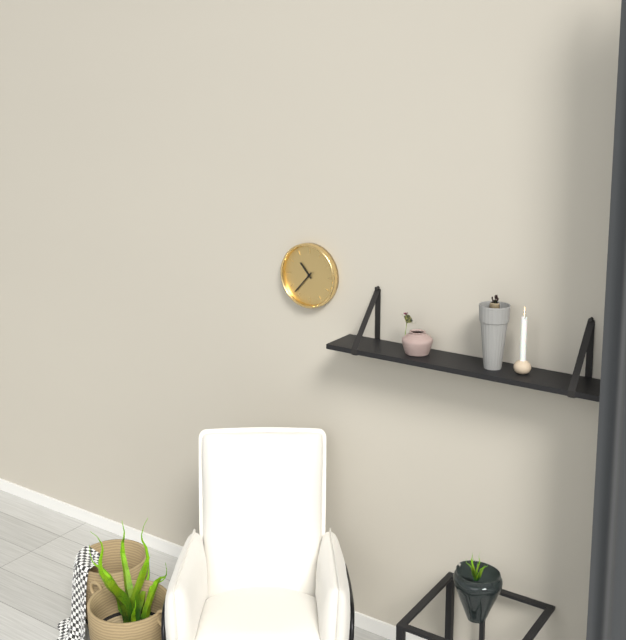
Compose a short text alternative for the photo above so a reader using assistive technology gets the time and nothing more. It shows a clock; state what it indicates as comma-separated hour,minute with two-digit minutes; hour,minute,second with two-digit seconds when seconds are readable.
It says 10,37
